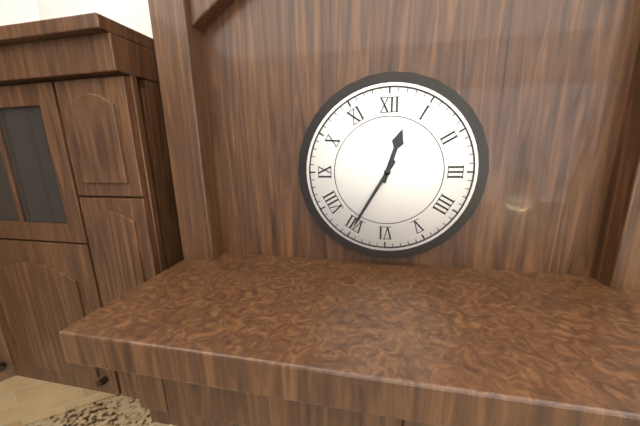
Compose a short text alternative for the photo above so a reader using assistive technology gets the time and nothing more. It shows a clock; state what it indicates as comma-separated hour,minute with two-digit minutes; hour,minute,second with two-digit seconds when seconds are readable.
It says 12,35
